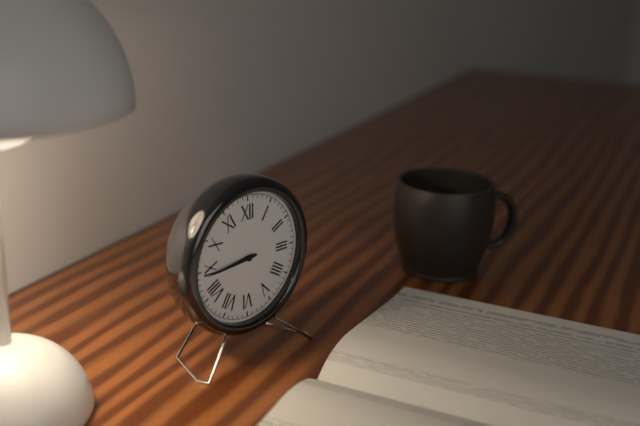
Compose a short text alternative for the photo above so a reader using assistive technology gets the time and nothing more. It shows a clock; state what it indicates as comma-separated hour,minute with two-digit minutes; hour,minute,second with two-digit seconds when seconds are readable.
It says 8,44
